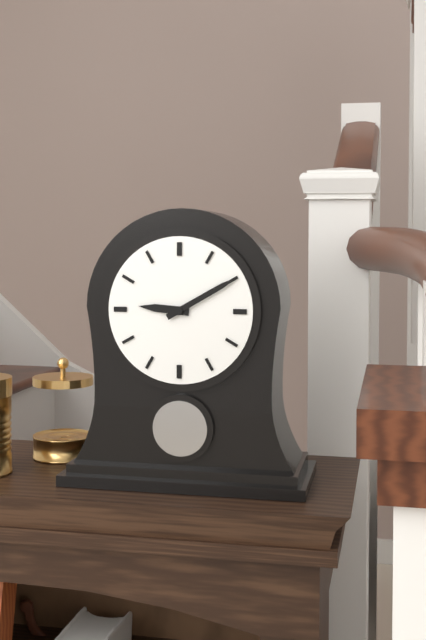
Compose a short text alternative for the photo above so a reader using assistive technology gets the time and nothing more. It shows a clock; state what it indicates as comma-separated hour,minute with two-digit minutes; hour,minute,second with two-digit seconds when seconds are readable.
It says 9,10
